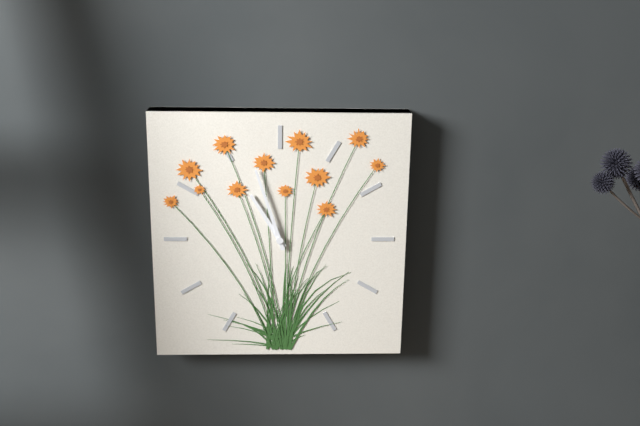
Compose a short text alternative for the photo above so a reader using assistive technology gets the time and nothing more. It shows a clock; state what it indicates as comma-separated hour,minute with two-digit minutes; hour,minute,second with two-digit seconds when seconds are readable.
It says 10,57
